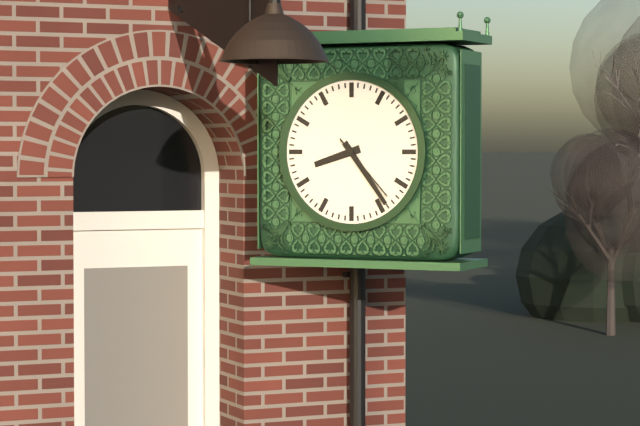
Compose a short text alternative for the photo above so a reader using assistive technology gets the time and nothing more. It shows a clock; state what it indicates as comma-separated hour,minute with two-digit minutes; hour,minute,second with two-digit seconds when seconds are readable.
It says 8,24,23
